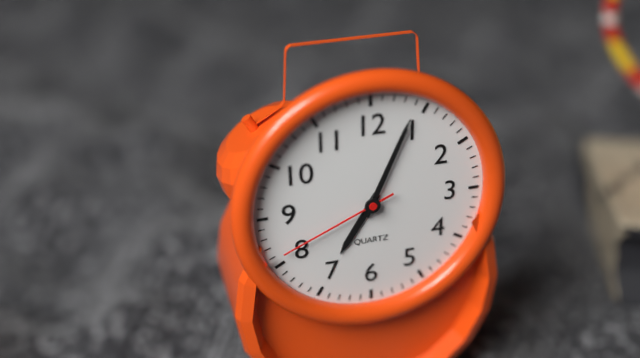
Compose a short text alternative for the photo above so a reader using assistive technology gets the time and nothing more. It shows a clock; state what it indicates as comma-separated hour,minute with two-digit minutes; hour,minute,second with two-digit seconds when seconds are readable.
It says 7,04,41
